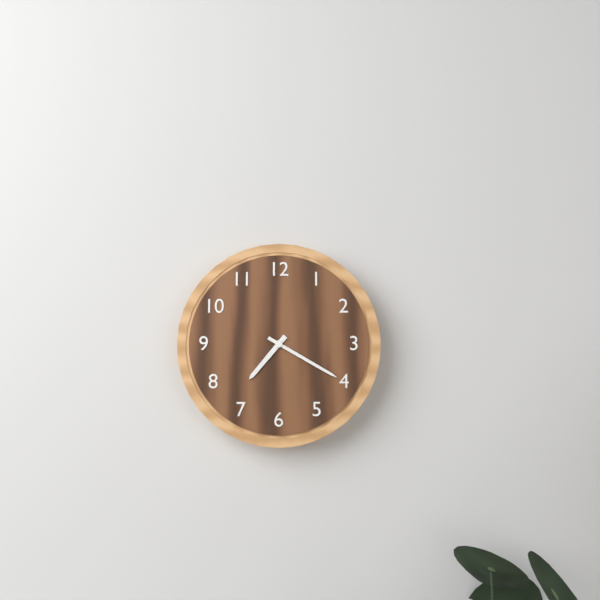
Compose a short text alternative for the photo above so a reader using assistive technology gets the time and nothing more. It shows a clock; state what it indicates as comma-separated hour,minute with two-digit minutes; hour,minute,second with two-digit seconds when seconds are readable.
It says 7,20
